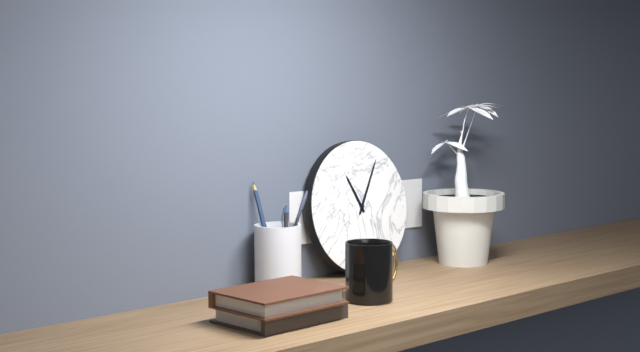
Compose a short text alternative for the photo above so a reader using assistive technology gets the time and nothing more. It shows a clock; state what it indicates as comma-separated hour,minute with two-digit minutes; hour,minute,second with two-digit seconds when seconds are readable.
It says 11,05
